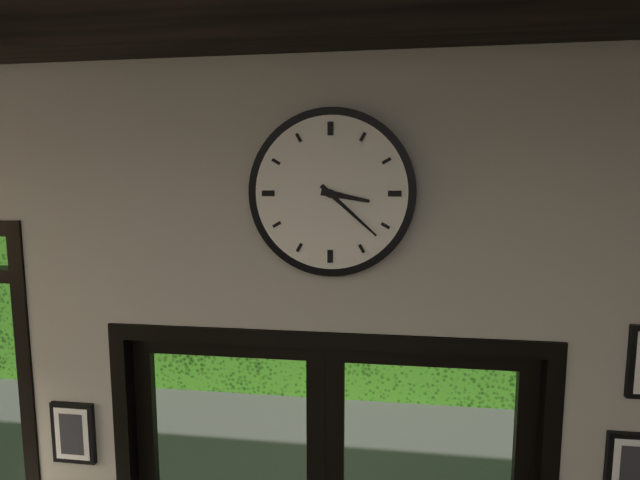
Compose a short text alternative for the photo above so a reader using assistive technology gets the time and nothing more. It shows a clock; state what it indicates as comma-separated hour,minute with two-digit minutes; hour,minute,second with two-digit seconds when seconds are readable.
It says 3,22
